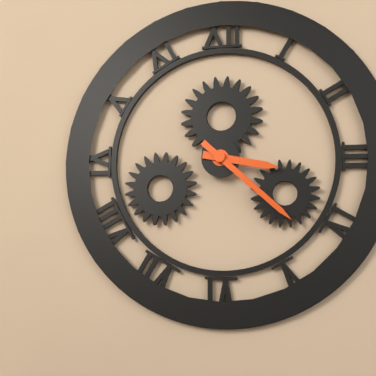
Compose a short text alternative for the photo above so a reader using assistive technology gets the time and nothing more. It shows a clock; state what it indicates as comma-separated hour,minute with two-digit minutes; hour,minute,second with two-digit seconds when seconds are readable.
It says 3,22
